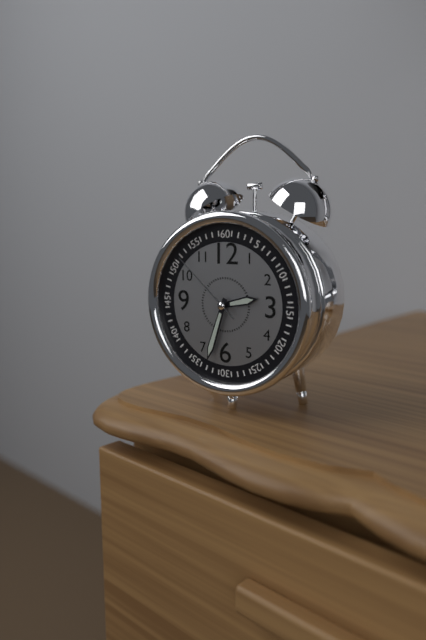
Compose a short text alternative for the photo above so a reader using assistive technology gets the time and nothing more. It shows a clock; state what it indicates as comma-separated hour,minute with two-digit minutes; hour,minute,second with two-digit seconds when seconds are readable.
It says 2,33,52
